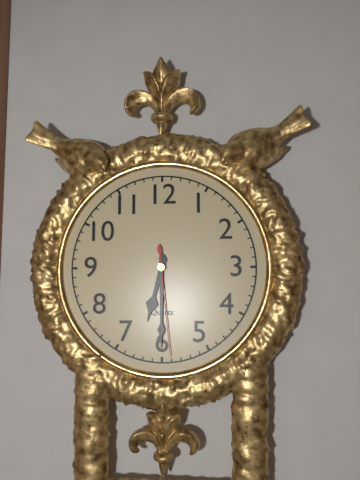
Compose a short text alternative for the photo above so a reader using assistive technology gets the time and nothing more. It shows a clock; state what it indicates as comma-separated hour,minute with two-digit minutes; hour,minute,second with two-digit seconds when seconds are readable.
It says 6,30,29
